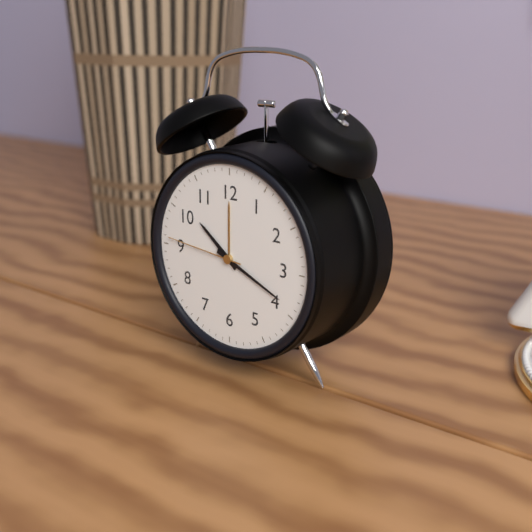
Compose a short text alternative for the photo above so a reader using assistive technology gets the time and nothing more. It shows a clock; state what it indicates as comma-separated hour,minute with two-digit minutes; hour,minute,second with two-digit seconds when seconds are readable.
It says 10,19,46
